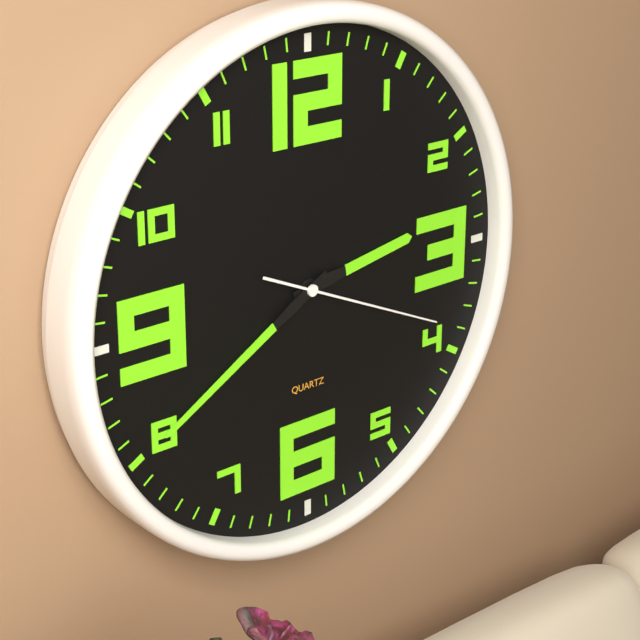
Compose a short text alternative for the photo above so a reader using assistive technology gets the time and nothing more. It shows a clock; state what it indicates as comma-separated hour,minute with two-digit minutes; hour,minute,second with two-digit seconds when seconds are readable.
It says 2,40,19
